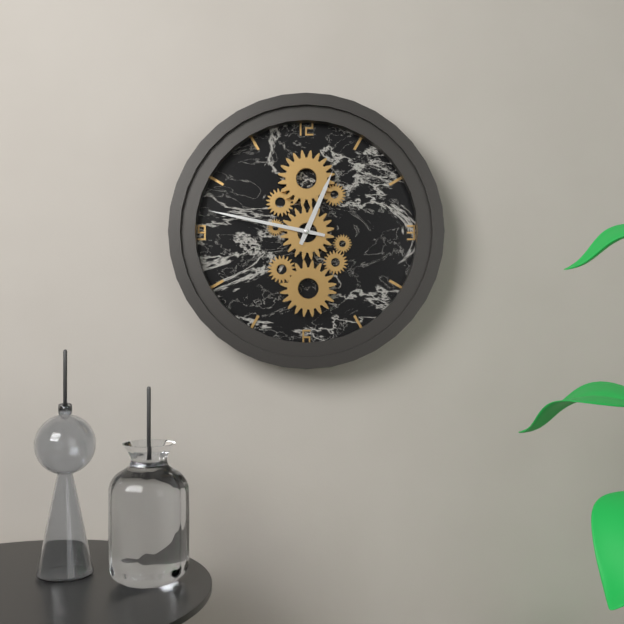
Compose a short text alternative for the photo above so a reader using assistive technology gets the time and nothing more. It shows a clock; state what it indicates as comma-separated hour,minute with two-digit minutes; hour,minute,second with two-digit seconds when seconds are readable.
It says 12,47
